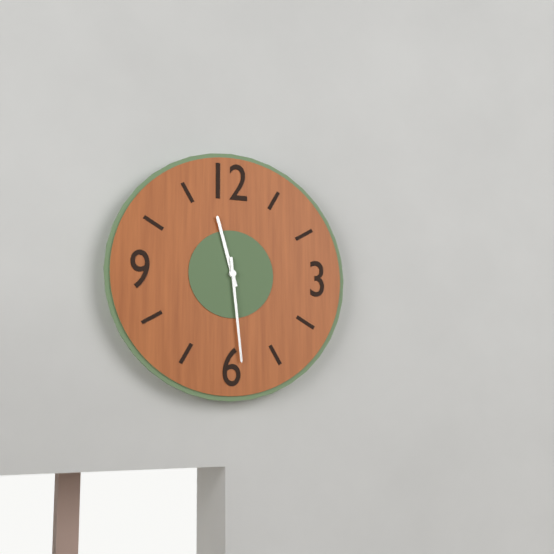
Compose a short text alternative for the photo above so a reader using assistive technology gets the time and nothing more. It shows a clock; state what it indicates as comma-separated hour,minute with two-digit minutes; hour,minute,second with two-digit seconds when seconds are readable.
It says 11,29
